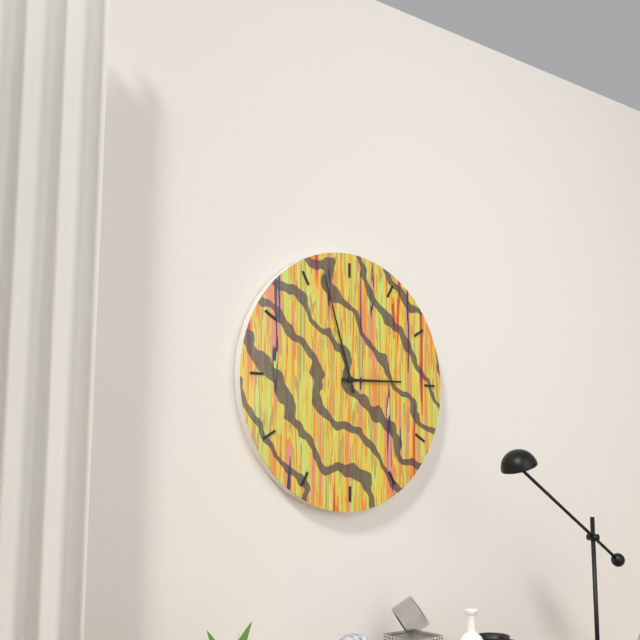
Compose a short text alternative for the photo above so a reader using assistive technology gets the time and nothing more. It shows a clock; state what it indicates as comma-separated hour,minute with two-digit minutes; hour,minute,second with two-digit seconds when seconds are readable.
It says 2,57
